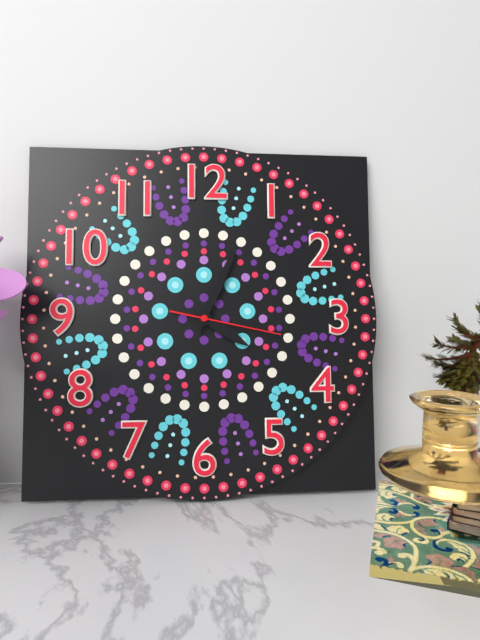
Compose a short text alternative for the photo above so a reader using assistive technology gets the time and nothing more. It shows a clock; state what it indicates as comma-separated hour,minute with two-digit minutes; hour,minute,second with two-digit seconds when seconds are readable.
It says 4,04,17
